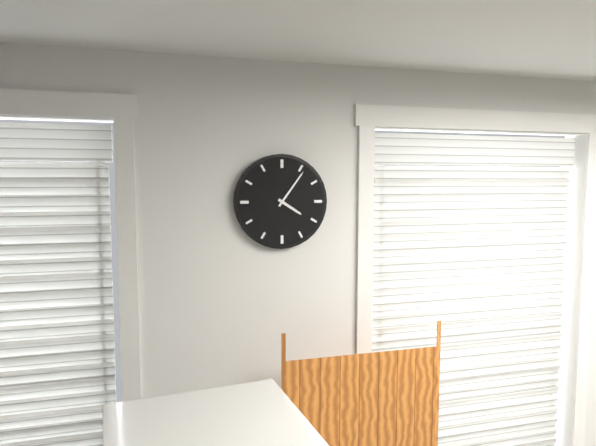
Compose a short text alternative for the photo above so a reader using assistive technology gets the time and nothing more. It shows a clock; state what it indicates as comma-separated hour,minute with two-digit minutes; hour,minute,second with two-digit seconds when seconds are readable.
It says 4,06
